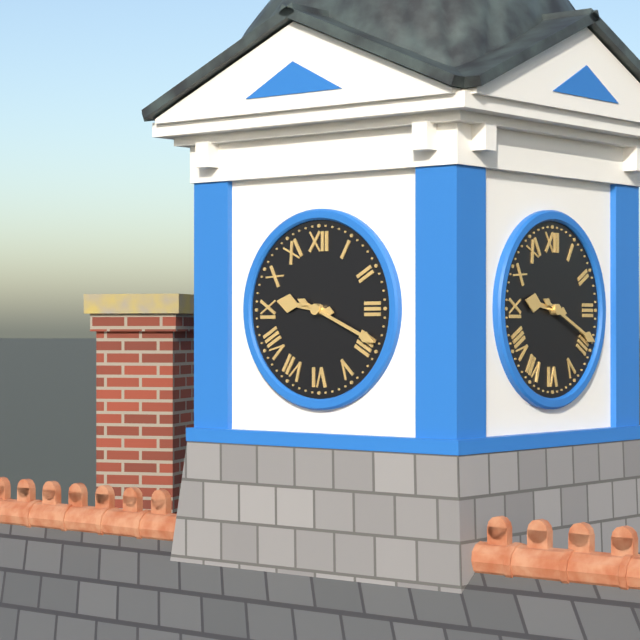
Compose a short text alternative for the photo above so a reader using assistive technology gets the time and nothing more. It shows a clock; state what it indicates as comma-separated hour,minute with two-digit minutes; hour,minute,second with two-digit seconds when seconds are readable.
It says 9,19
